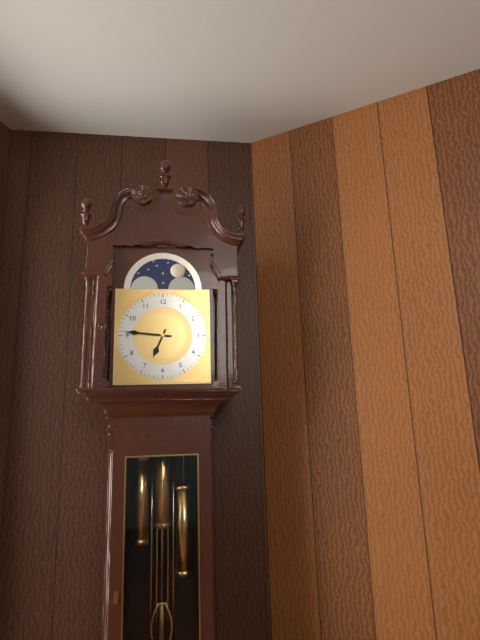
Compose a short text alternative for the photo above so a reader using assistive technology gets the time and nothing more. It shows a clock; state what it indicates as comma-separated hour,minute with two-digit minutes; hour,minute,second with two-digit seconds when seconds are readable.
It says 6,46
